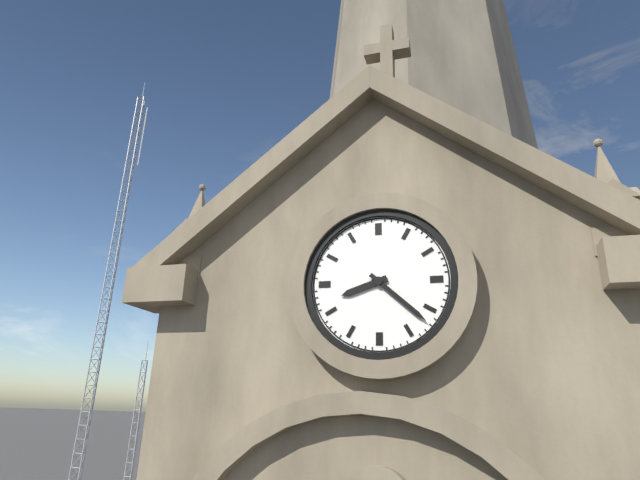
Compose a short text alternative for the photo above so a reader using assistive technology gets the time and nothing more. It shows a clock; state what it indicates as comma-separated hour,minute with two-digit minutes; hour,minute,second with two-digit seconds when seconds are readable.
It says 8,22
